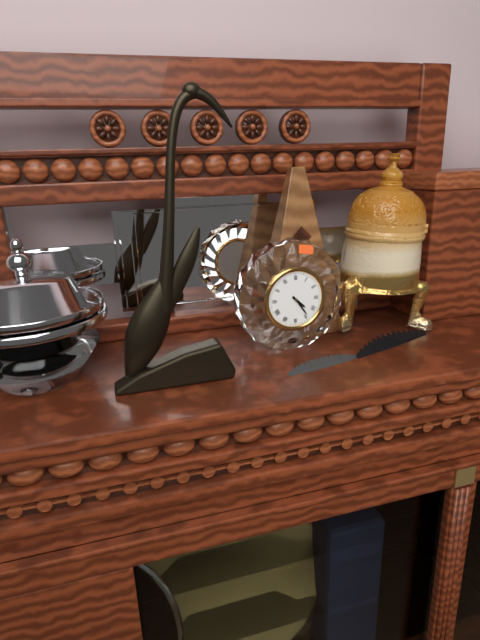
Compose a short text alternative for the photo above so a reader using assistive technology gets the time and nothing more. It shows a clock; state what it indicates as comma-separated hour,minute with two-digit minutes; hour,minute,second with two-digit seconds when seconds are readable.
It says 4,24
